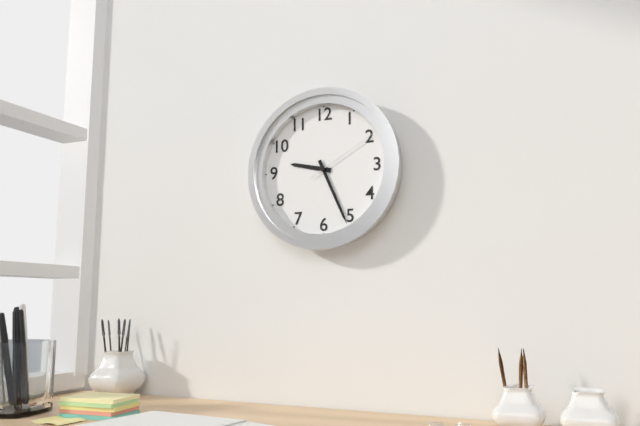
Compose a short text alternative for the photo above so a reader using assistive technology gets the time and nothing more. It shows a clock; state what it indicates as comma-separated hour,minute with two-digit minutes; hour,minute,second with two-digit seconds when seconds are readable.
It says 9,26,10
